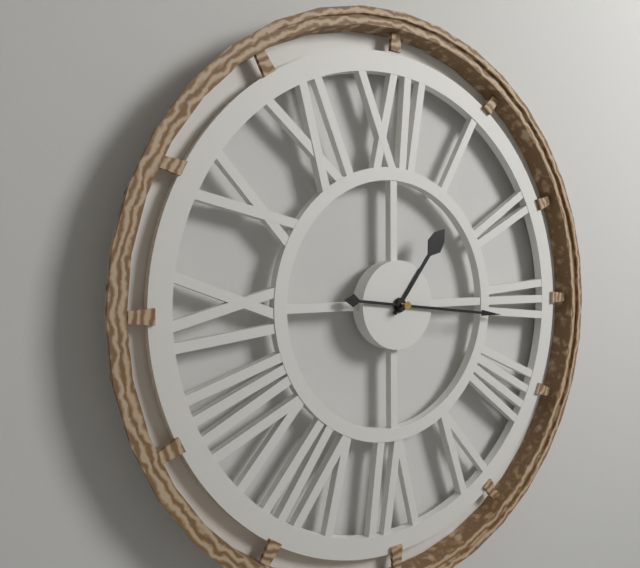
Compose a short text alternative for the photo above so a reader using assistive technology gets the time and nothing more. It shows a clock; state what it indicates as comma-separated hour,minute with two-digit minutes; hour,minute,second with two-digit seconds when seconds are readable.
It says 1,16
